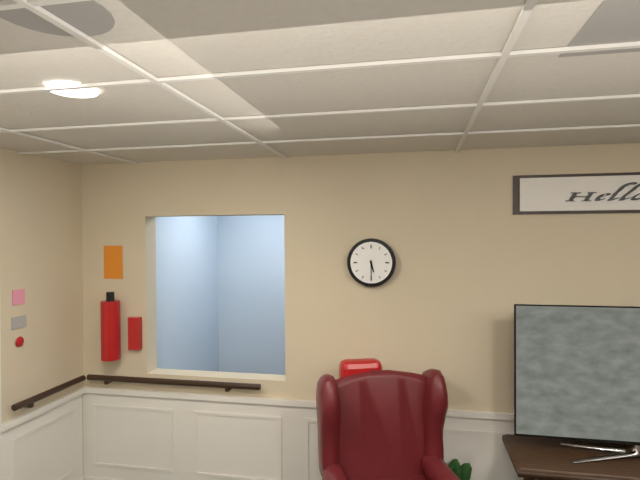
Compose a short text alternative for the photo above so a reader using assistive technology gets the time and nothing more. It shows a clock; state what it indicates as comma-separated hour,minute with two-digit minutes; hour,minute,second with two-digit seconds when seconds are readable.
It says 5,30
